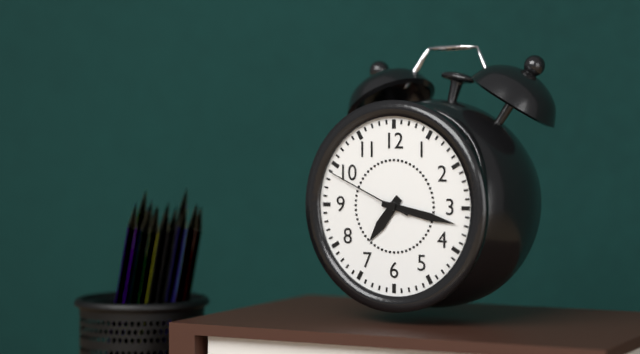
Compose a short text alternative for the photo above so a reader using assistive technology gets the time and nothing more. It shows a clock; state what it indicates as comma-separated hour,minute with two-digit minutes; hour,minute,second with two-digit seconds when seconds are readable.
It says 7,17,49
